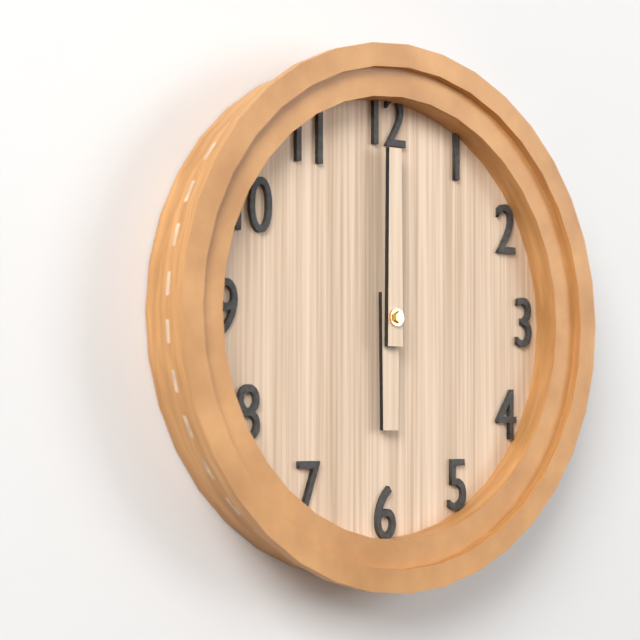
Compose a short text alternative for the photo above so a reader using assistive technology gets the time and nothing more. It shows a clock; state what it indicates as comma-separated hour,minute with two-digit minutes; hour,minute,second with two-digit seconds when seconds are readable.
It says 6,00
